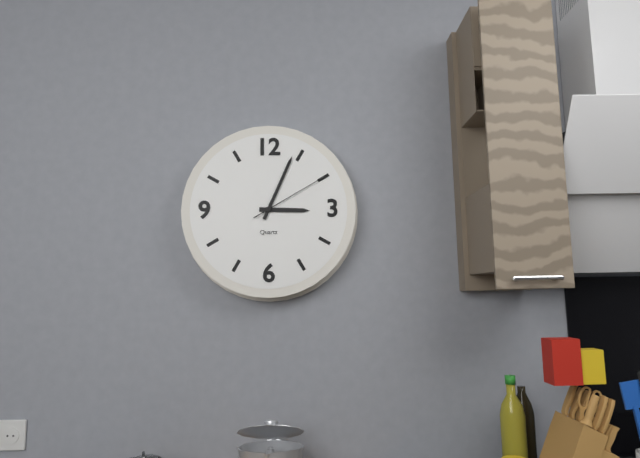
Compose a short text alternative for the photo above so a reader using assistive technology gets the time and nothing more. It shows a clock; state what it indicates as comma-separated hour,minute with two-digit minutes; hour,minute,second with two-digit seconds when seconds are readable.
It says 3,04,10
